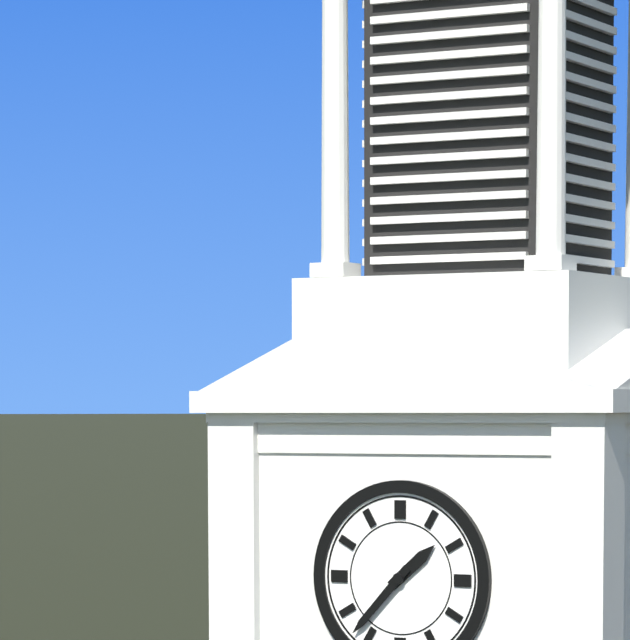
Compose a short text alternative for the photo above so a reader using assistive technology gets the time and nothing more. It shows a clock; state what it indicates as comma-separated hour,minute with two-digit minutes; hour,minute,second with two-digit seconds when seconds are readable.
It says 1,37
